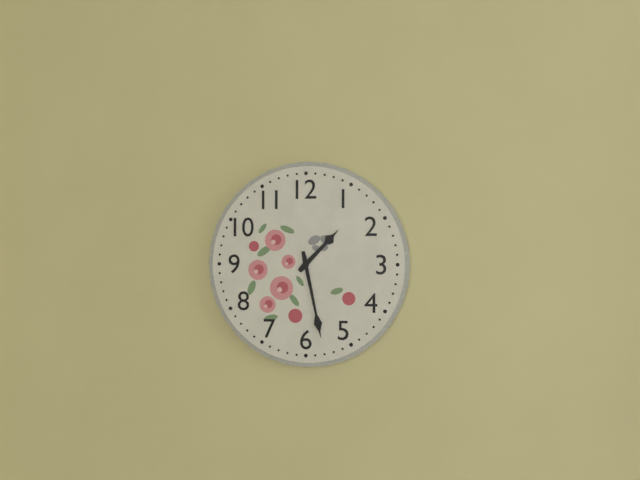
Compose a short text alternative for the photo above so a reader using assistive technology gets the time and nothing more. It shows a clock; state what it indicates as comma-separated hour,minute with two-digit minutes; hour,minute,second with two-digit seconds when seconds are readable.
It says 1,28
